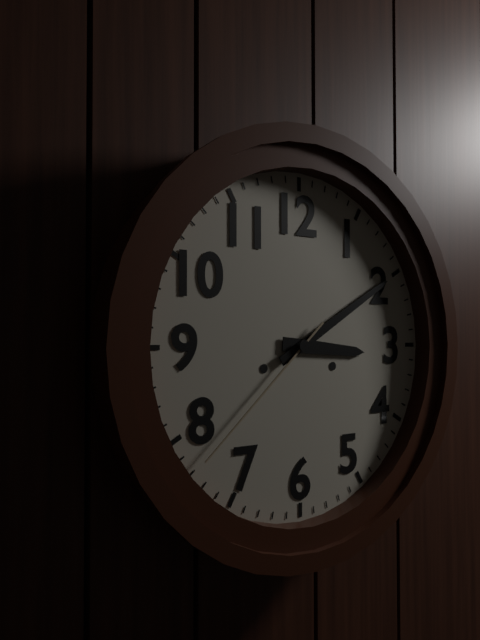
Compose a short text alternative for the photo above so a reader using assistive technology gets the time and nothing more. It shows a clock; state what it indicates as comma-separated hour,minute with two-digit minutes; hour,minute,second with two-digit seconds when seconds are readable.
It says 3,10,38
